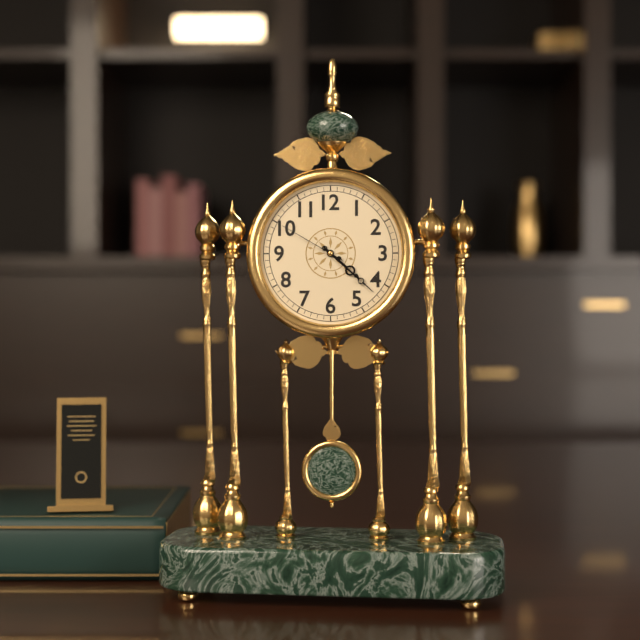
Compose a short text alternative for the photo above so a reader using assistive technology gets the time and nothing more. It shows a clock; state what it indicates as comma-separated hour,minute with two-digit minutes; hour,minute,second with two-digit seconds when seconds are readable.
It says 4,22,50
